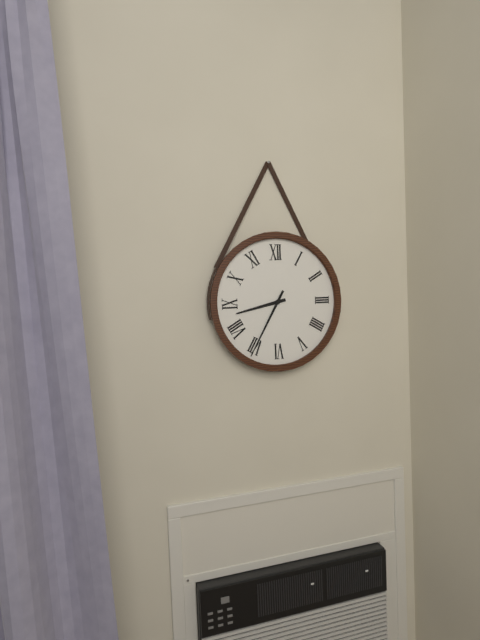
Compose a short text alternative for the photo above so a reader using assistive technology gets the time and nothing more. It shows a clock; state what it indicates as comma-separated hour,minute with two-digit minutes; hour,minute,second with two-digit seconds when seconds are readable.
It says 8,35
